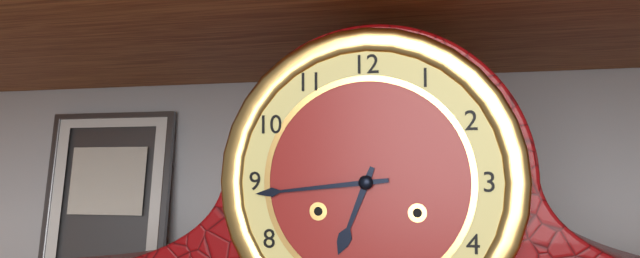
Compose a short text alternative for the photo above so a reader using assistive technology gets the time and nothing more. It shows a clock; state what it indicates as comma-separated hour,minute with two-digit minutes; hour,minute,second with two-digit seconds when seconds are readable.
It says 6,44
